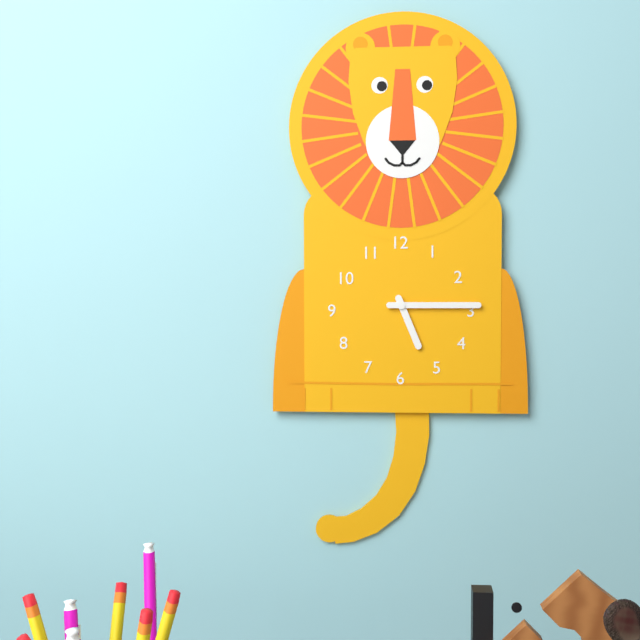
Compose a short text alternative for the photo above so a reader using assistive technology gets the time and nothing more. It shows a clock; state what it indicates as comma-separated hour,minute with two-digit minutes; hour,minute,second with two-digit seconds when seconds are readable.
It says 5,15
